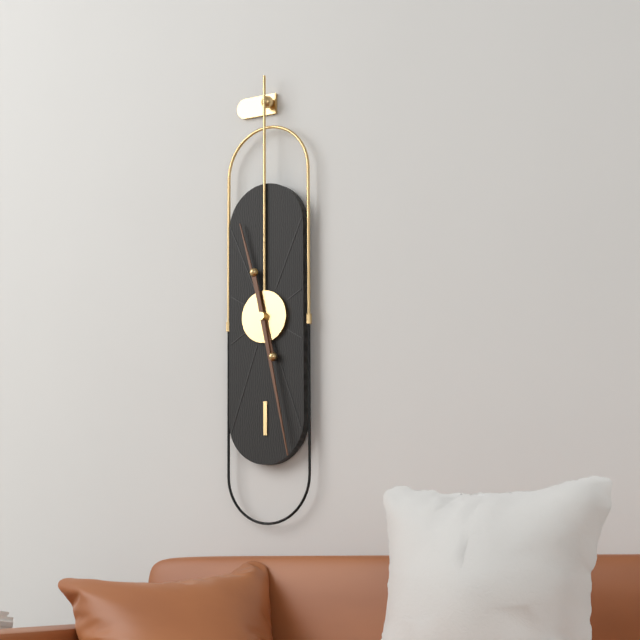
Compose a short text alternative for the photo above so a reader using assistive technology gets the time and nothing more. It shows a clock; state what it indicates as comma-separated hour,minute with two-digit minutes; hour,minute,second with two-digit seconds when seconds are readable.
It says 11,28
